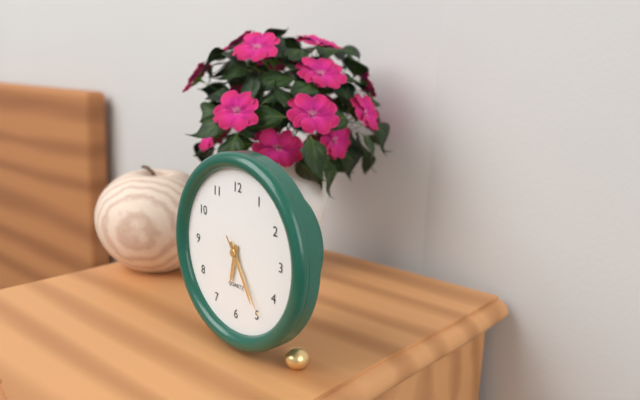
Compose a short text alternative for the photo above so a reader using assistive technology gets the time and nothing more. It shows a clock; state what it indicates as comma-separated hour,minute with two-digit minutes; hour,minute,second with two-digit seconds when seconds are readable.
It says 6,25,24
